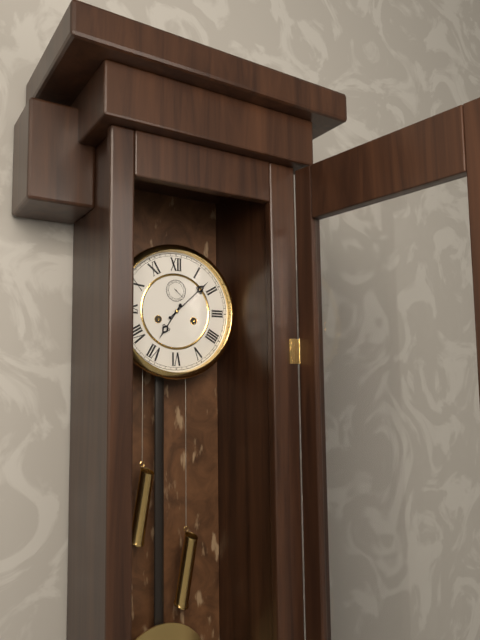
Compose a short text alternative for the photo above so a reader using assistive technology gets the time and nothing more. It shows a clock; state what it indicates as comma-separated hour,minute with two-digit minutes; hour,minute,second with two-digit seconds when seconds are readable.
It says 7,08
